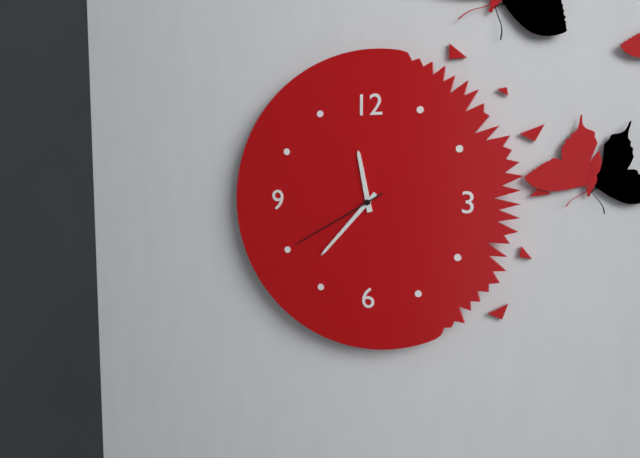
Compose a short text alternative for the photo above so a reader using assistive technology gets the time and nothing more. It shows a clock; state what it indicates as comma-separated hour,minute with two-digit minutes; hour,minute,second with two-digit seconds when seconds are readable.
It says 11,37,40
